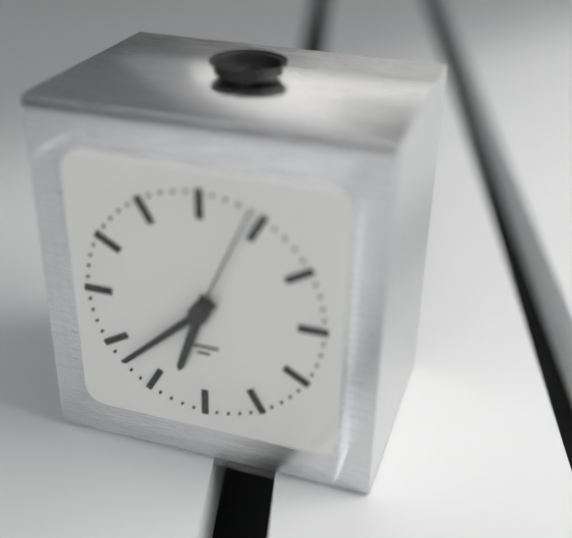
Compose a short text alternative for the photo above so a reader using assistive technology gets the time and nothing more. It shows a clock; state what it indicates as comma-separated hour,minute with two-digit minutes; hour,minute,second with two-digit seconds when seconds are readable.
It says 6,38
